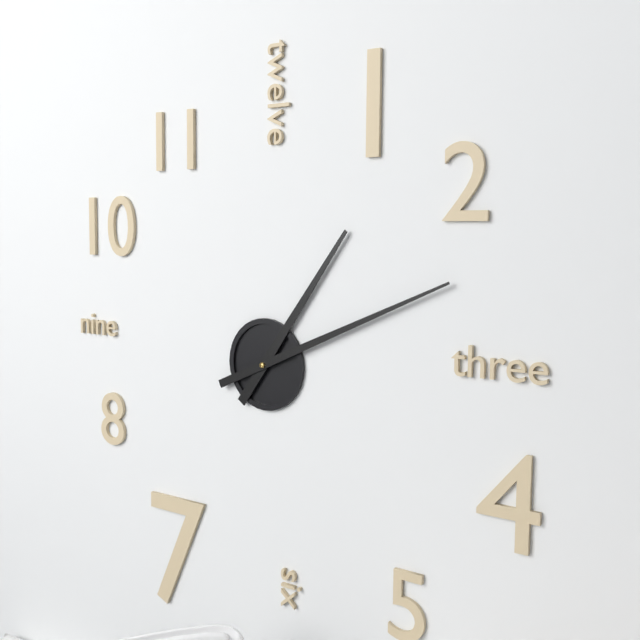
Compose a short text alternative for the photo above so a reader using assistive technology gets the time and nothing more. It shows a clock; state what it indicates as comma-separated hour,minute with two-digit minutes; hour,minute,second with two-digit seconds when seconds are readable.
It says 1,11
